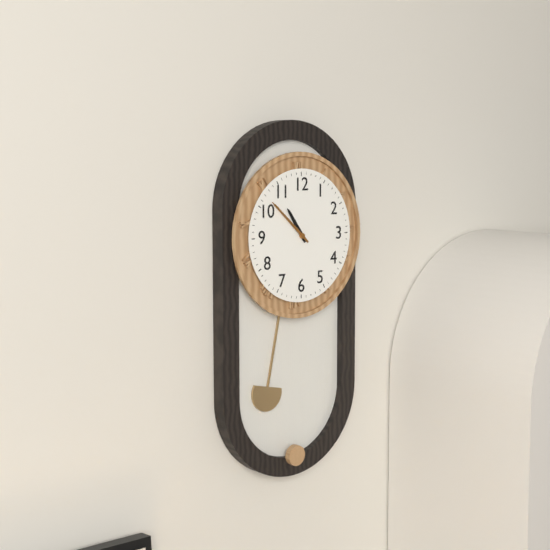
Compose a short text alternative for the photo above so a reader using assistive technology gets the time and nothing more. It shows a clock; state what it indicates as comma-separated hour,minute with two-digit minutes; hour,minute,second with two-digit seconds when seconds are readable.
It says 10,52
